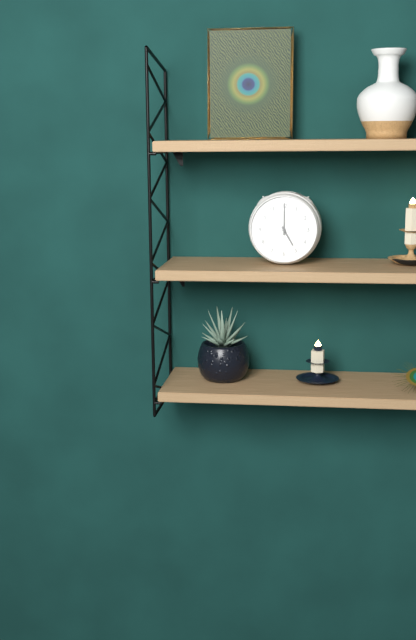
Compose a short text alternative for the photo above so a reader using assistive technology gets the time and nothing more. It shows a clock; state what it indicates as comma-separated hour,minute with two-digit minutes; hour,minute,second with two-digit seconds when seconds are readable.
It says 5,00
